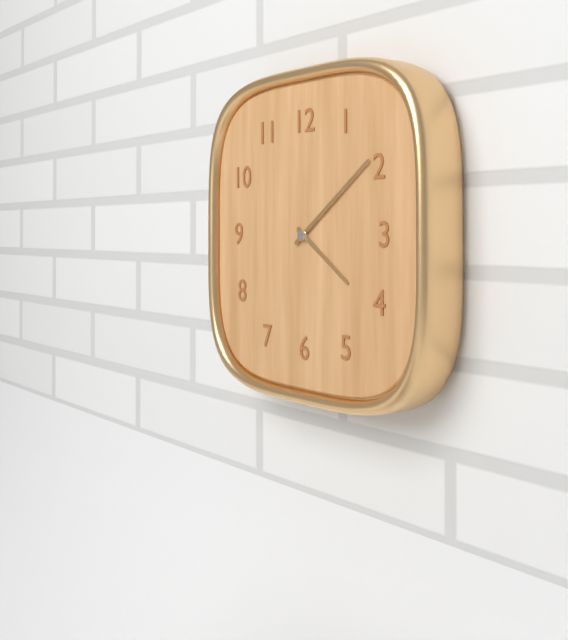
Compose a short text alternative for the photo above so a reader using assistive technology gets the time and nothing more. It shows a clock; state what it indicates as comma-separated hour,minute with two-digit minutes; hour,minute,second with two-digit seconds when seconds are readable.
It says 4,09
